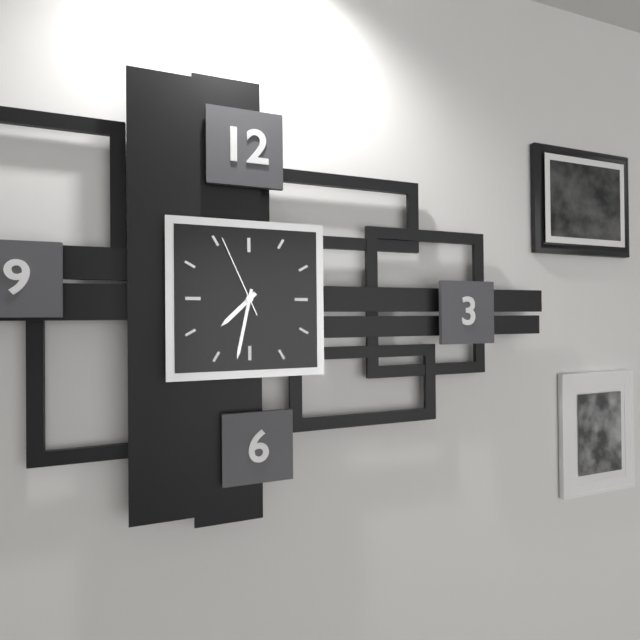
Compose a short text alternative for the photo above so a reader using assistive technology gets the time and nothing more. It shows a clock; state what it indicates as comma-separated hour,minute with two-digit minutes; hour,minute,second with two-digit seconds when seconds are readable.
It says 7,32,56
